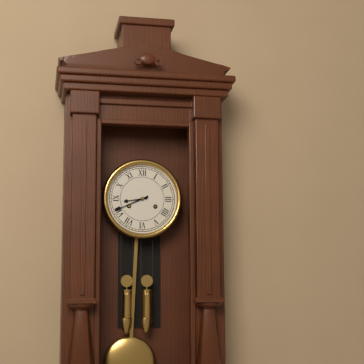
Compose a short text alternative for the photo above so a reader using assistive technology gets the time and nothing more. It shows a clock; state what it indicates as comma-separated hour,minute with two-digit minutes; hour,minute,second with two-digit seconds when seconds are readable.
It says 8,41
